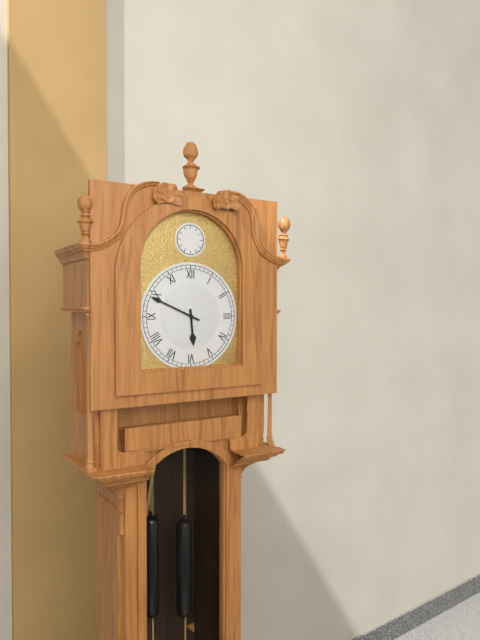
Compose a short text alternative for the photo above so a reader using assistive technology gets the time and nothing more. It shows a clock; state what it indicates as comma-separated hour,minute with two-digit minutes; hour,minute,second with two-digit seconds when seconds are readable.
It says 5,49
